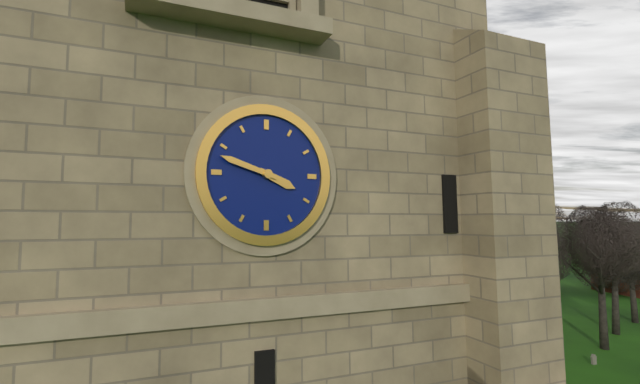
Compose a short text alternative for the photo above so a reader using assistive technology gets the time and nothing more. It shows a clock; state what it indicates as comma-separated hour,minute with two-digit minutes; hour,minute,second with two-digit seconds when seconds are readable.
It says 3,48
